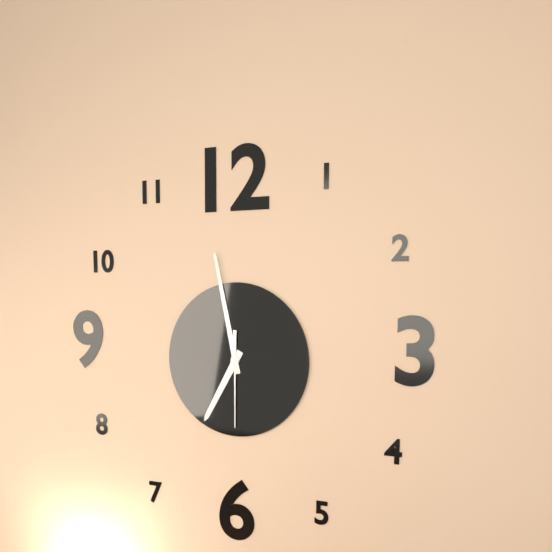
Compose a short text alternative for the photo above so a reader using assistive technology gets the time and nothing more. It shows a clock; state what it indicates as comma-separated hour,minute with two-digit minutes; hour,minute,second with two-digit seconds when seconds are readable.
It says 6,58,30
